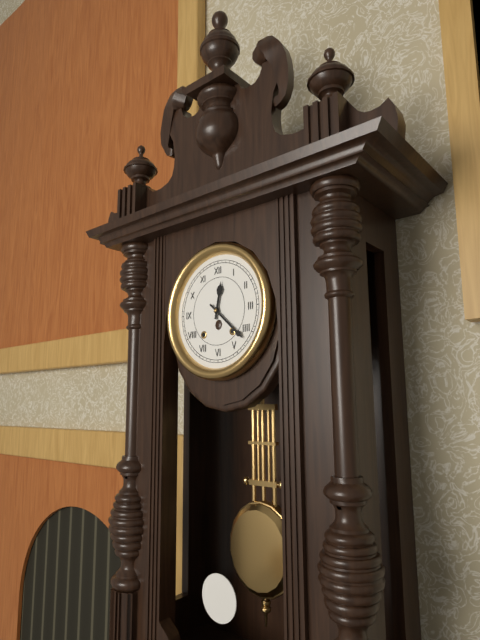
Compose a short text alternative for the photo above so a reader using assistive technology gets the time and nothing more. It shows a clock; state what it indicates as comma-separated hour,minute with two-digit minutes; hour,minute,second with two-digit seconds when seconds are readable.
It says 12,22
